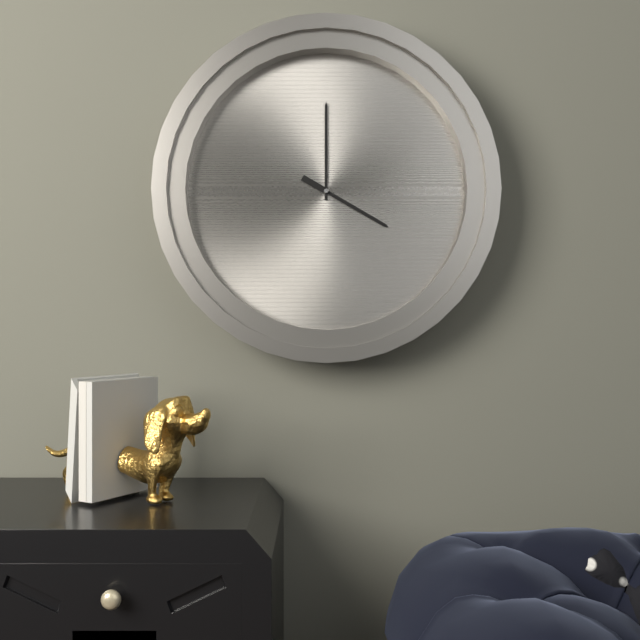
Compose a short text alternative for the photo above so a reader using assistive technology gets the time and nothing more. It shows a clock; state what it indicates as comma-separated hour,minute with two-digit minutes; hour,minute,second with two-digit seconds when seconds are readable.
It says 4,00
